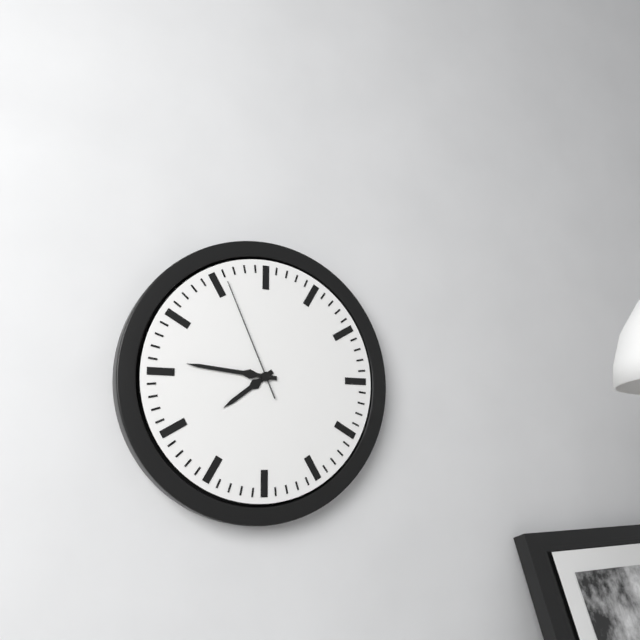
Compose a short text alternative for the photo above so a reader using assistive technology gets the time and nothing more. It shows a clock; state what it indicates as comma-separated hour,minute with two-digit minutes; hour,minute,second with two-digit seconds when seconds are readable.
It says 7,46,56
